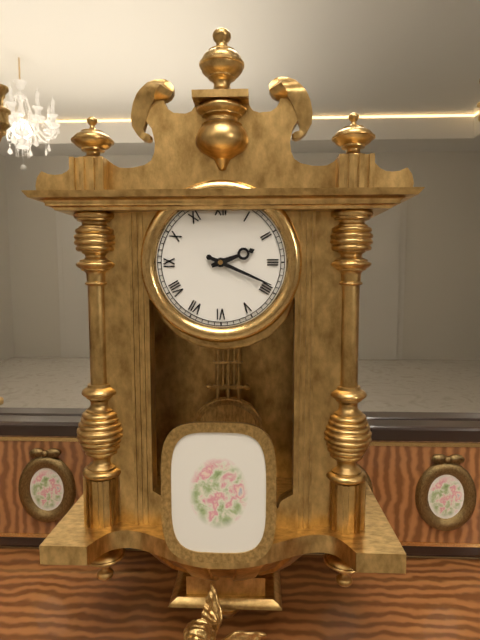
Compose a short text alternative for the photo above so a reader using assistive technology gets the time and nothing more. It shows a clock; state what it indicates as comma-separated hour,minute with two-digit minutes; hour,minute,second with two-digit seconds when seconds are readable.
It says 2,19
